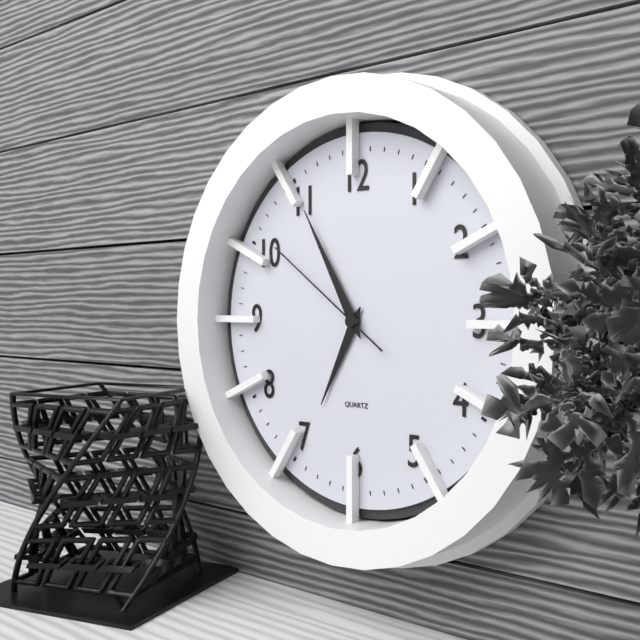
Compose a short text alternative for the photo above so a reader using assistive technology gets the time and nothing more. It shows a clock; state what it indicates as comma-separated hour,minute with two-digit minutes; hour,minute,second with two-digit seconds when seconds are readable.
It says 6,55,51
